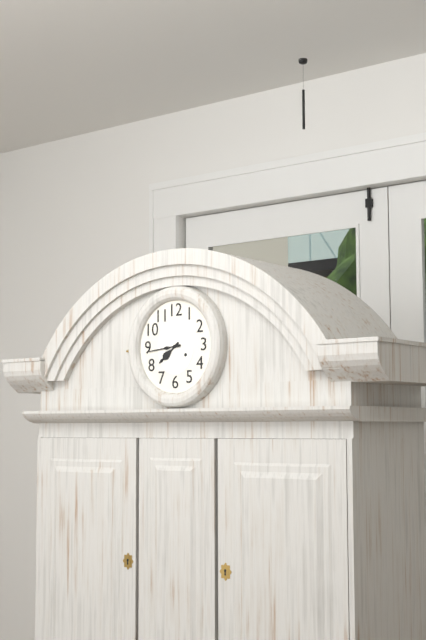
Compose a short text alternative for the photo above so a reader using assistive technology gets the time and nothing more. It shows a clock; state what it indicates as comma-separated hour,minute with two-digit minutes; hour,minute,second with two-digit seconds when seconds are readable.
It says 7,44
